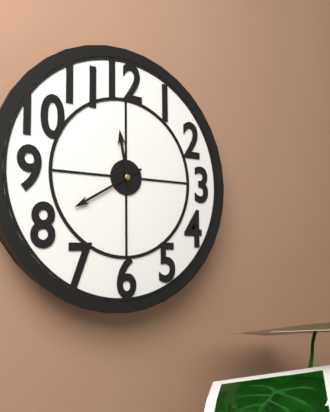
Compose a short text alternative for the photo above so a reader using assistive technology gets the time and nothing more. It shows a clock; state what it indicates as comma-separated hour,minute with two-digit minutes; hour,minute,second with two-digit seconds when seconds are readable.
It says 11,40
